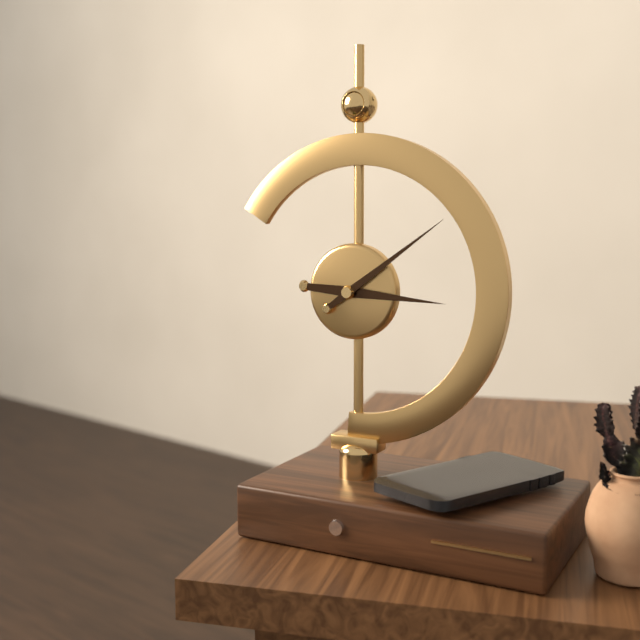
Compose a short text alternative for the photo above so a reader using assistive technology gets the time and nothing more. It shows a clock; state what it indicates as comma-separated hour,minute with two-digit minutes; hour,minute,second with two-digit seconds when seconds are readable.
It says 3,09
